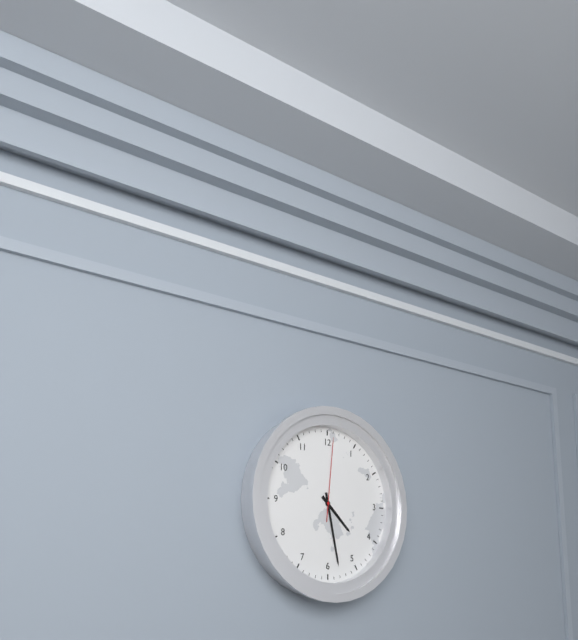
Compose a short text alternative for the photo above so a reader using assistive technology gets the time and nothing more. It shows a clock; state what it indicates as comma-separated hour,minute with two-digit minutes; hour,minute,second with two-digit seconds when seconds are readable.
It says 4,28,01
